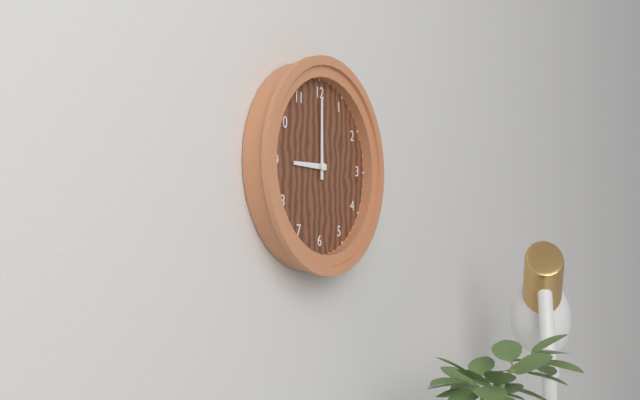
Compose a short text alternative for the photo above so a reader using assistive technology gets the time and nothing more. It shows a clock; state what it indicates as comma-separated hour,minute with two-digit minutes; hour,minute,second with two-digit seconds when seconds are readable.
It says 9,00
